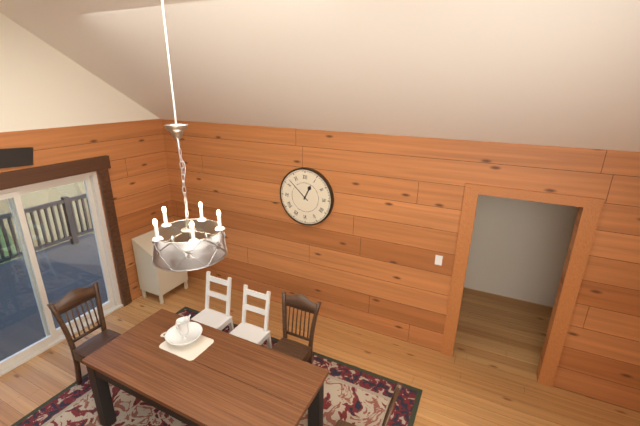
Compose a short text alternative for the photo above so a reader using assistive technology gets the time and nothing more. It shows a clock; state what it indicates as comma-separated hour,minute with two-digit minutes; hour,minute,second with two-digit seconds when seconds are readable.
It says 12,52
